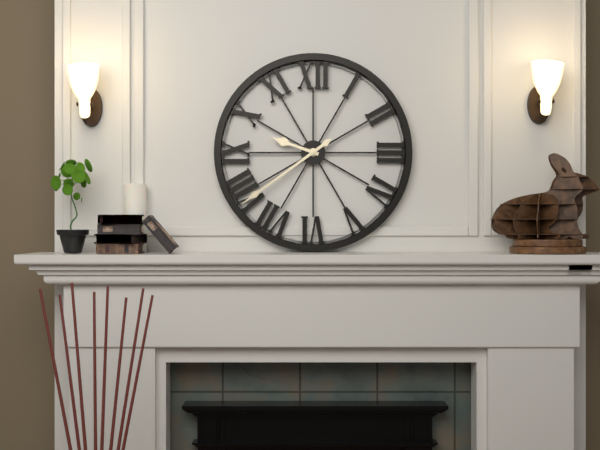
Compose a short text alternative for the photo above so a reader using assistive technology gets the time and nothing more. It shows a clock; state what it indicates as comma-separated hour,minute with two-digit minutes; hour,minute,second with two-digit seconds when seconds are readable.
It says 9,39
